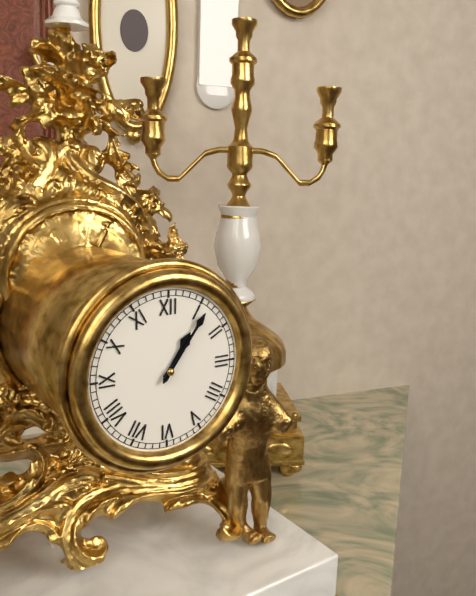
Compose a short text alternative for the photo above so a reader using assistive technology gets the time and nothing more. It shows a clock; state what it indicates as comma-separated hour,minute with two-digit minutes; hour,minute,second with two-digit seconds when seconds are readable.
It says 1,06
